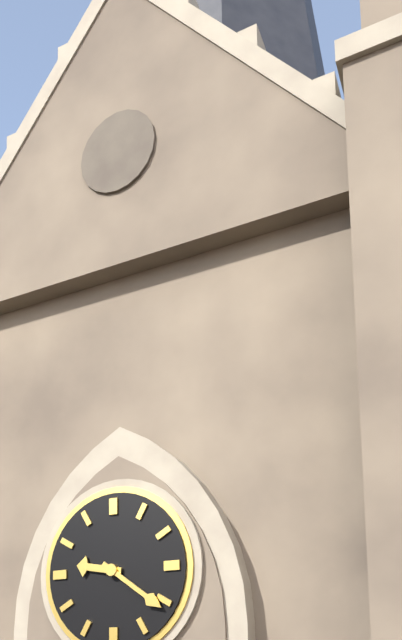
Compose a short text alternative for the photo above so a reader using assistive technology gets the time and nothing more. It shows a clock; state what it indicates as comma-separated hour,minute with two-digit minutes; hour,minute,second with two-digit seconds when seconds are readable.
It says 9,21
